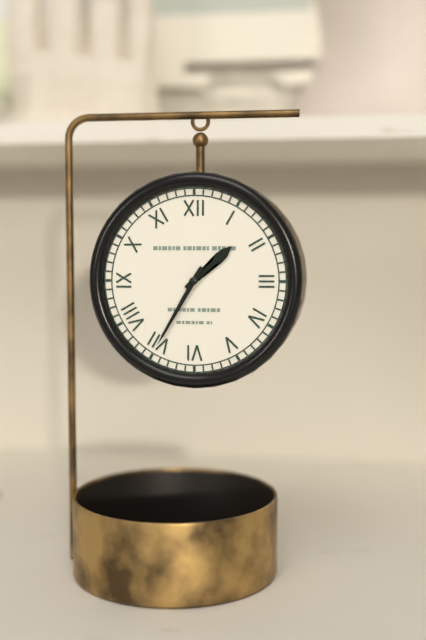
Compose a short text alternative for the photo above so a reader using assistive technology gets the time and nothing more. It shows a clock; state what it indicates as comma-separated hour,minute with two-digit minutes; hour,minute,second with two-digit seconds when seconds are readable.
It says 1,35
